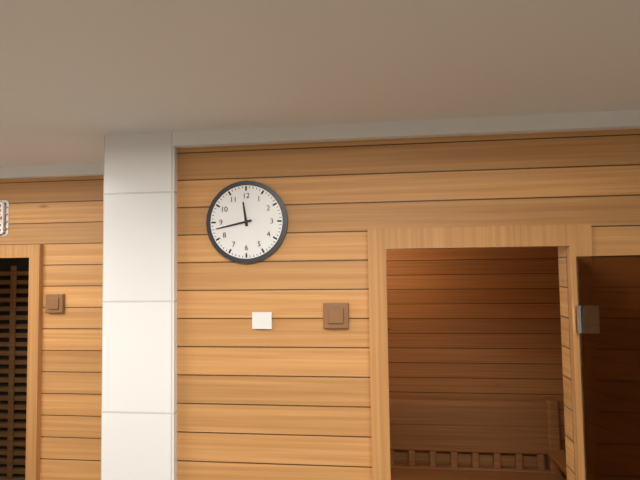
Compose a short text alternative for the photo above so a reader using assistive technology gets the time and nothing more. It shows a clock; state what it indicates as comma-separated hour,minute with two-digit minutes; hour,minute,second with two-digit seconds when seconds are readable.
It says 11,43
